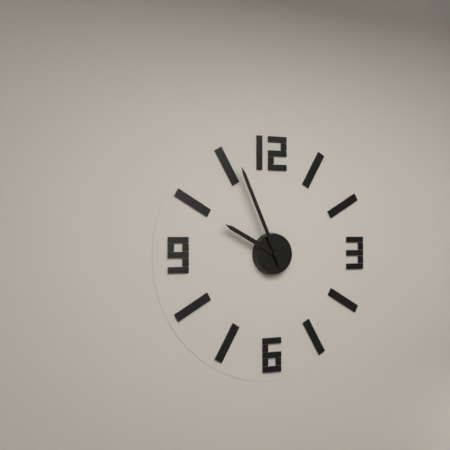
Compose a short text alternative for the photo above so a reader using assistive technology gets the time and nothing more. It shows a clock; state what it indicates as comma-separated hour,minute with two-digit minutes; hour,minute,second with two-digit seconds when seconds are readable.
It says 9,56
